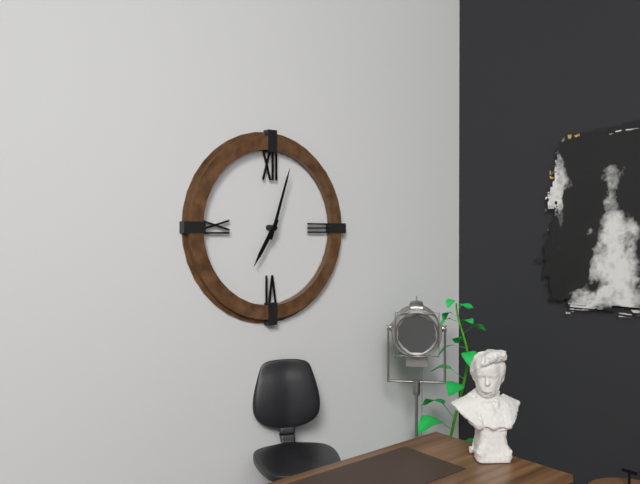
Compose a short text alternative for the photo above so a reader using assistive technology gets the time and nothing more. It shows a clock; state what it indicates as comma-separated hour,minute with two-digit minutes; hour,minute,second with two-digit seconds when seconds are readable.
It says 7,03
